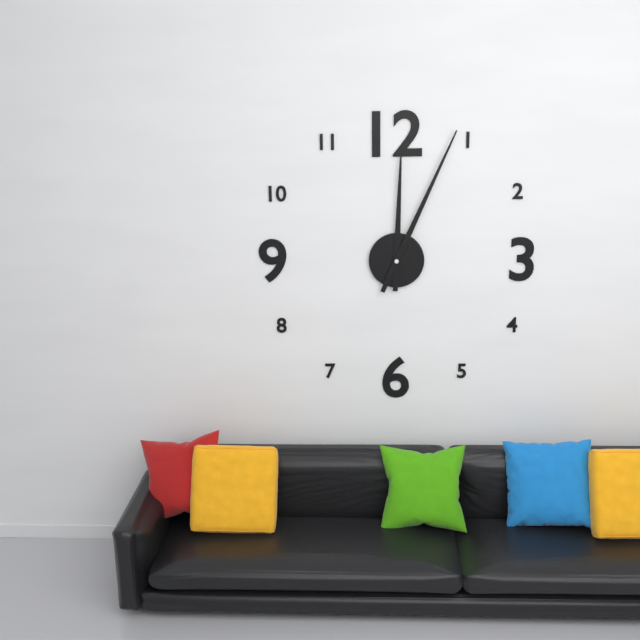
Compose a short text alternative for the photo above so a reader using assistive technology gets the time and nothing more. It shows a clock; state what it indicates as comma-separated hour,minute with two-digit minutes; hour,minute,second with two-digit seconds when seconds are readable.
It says 12,04
